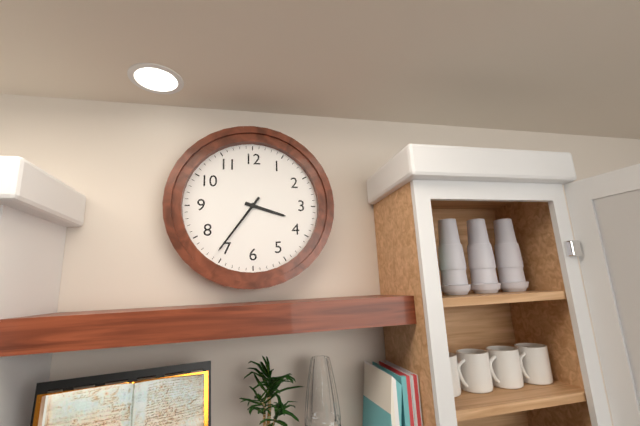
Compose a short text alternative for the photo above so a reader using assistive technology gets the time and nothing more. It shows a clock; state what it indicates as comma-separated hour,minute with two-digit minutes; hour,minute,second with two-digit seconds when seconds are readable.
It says 3,36
